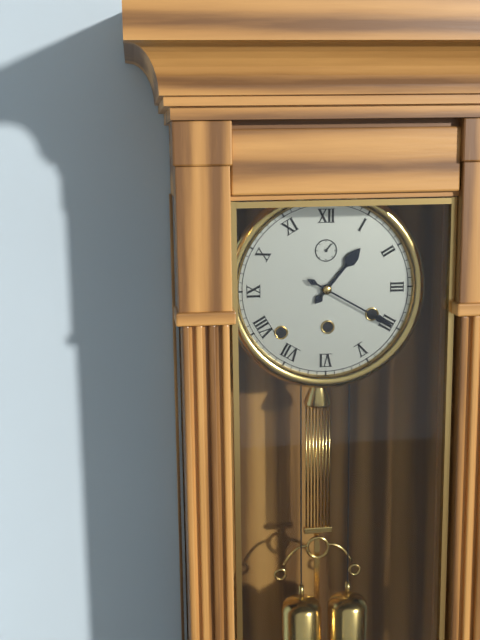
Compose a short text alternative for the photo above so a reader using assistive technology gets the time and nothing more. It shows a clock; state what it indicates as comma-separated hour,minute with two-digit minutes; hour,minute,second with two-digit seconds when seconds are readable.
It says 1,20
